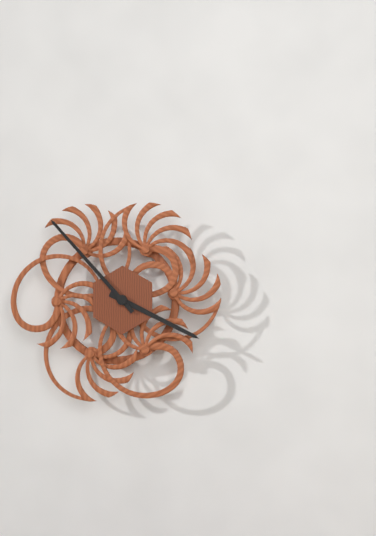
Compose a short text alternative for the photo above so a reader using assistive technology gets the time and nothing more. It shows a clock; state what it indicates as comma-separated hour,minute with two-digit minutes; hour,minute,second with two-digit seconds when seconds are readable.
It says 3,53
